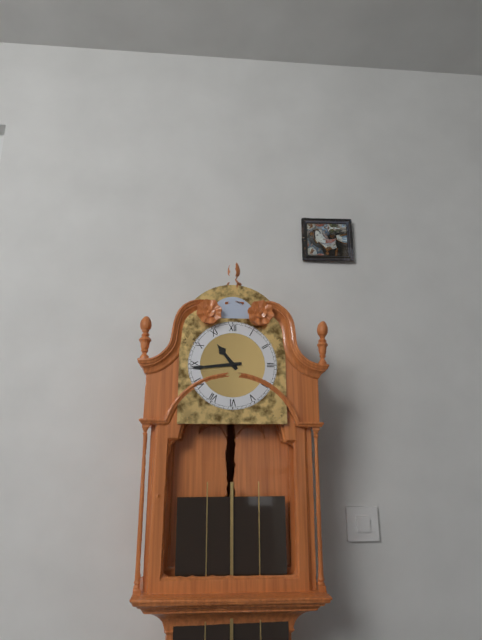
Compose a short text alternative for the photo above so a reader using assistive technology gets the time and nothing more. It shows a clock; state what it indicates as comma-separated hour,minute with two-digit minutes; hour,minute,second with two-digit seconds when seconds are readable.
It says 10,44
